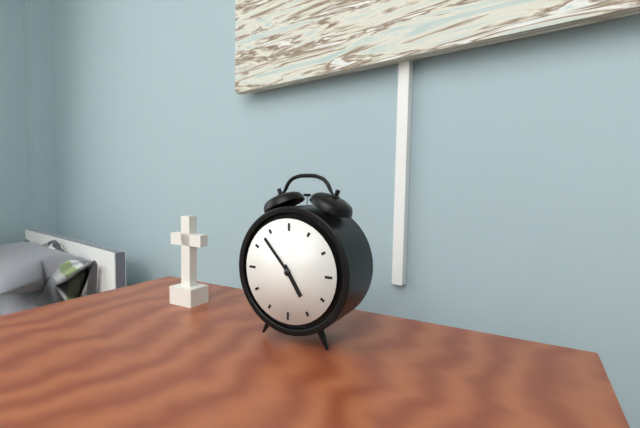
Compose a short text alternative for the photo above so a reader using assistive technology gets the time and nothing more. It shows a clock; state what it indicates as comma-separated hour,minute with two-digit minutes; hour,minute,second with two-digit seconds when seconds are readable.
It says 4,53
